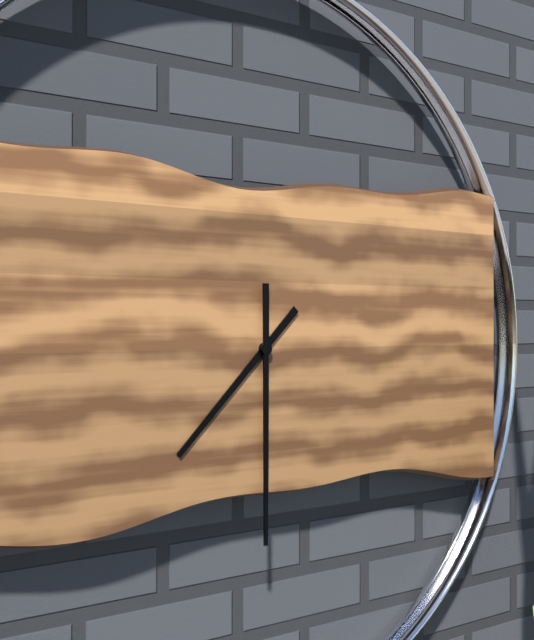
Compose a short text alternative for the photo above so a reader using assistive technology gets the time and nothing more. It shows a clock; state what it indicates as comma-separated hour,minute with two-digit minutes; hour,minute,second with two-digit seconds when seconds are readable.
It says 7,30
